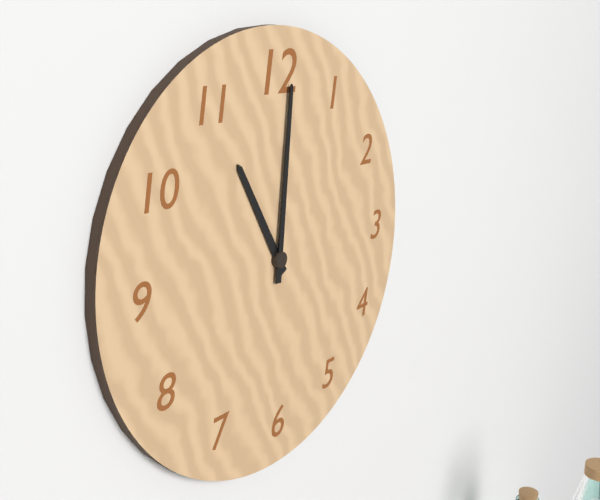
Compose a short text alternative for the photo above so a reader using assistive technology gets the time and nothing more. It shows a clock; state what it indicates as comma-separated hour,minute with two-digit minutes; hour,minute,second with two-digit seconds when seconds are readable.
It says 11,01
